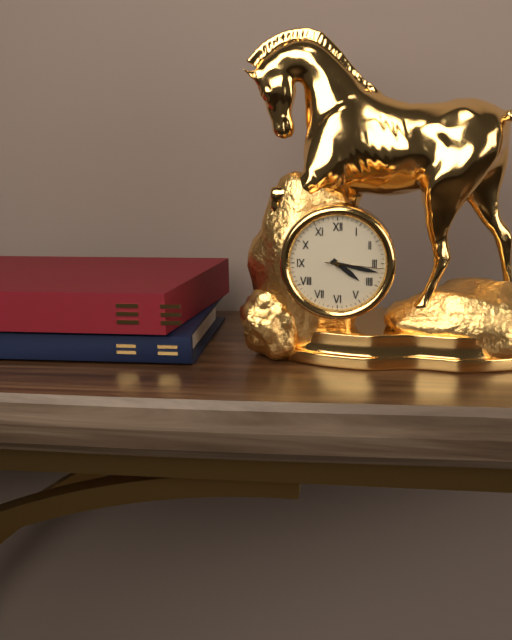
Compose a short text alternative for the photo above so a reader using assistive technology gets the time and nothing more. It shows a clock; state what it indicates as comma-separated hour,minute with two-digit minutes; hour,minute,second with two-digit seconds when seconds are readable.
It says 4,17,16
